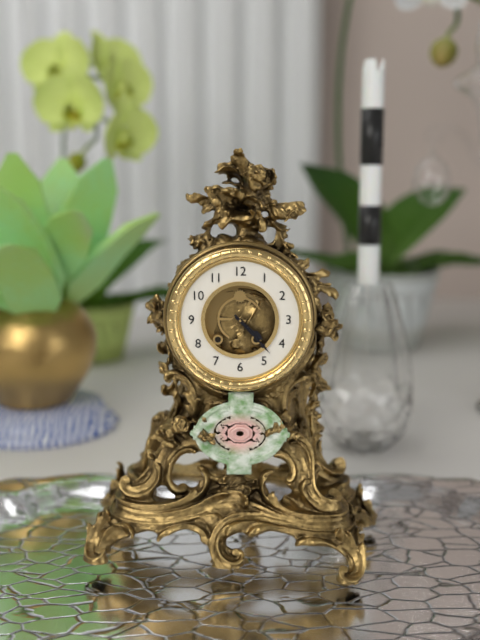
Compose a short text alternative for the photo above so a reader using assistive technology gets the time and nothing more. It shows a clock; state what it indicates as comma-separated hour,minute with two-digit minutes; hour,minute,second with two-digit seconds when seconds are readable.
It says 4,23
